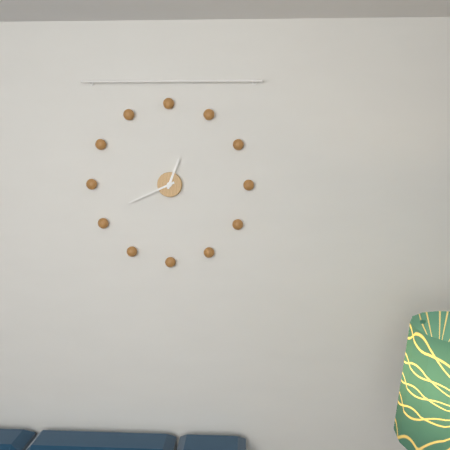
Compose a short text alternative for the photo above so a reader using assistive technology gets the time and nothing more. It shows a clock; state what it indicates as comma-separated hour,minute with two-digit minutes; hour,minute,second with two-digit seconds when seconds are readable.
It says 12,41
